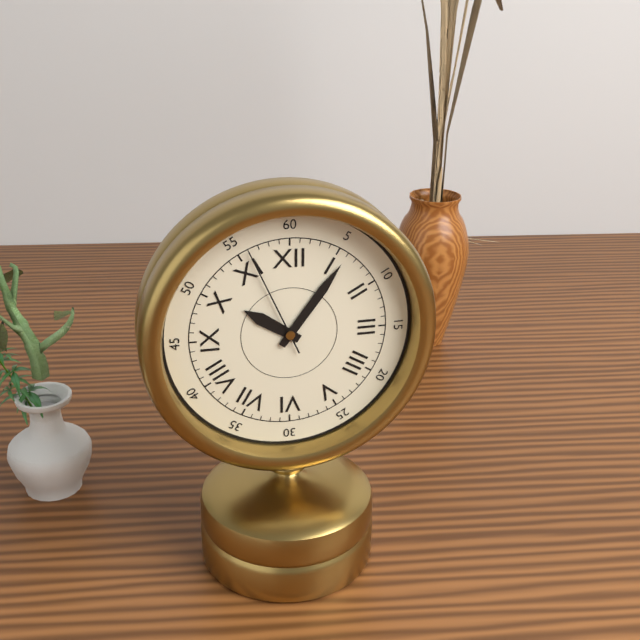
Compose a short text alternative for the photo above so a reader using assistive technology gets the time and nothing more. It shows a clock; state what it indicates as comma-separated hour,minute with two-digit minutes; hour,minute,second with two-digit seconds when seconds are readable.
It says 10,06,56
